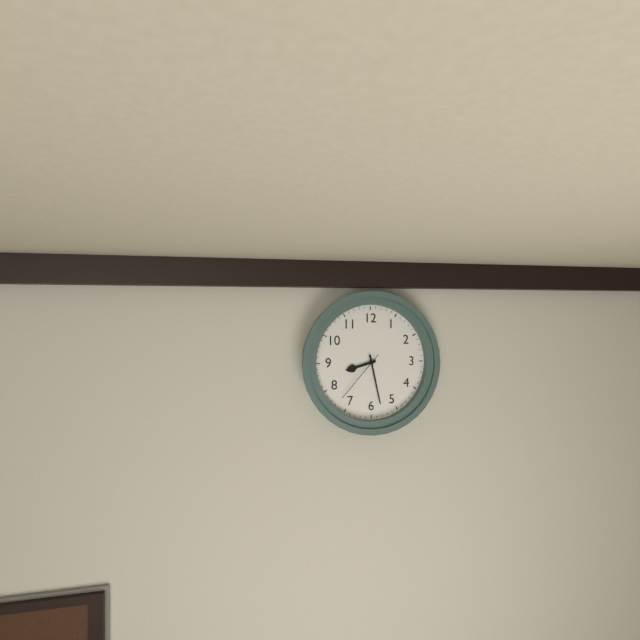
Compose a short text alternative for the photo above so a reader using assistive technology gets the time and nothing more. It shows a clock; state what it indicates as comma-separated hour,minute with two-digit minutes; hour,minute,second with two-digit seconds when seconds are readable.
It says 8,28,37
